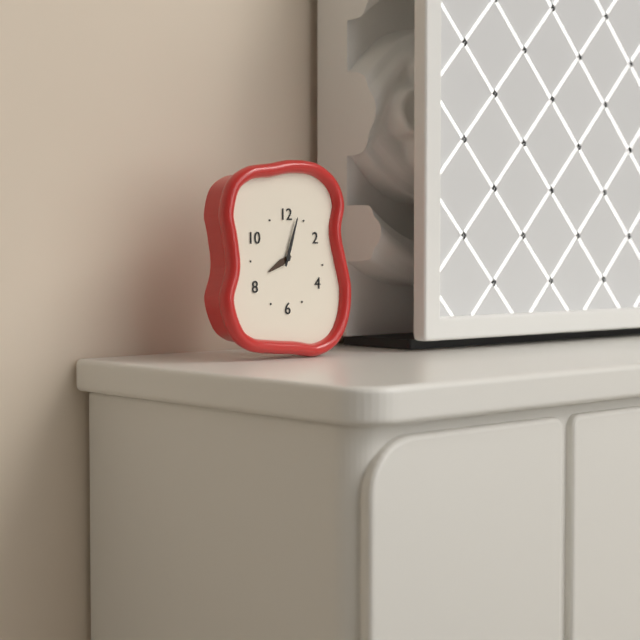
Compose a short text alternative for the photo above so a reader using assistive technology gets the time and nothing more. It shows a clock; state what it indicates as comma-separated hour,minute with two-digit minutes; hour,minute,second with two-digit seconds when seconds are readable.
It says 8,03
